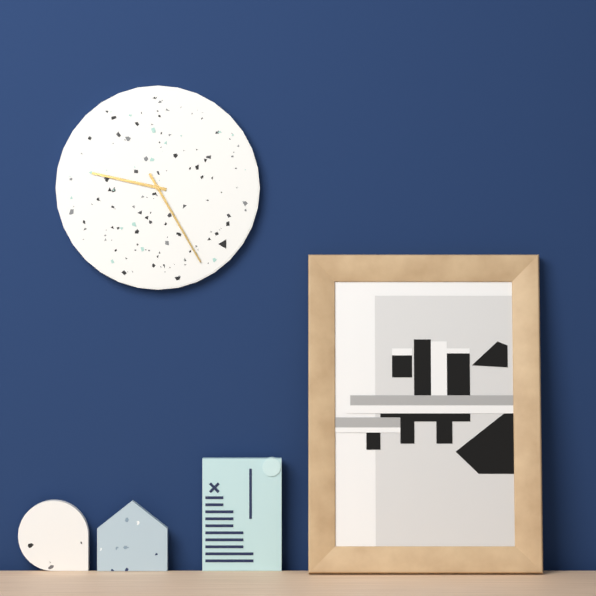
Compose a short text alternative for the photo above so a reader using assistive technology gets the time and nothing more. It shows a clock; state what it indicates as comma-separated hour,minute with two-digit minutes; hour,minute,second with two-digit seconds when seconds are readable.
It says 9,25
